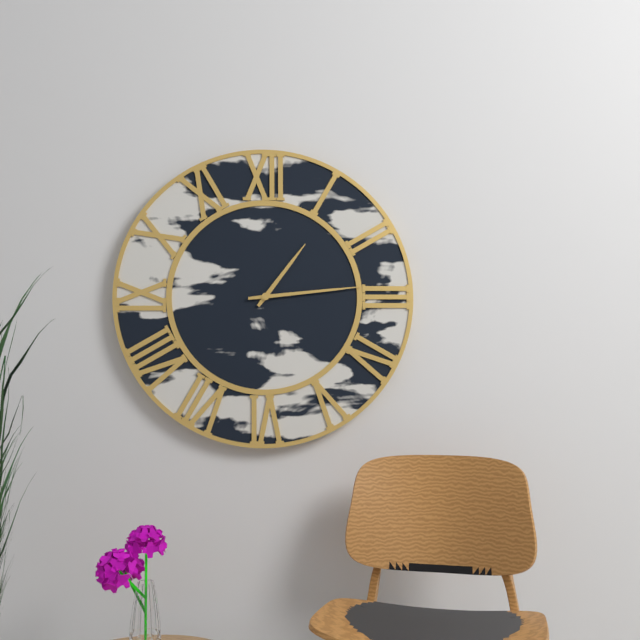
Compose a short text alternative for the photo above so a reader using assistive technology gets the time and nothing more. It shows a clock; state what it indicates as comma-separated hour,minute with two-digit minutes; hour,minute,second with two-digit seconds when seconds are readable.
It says 1,14
